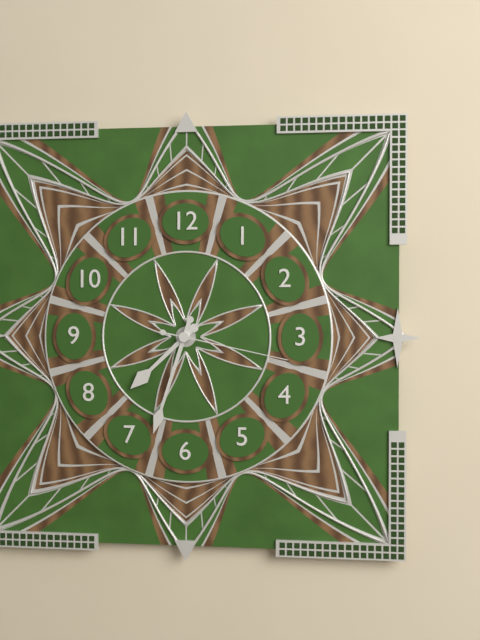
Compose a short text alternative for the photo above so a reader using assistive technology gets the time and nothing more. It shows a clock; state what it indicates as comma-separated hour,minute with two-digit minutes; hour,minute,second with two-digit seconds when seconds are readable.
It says 7,33,17
